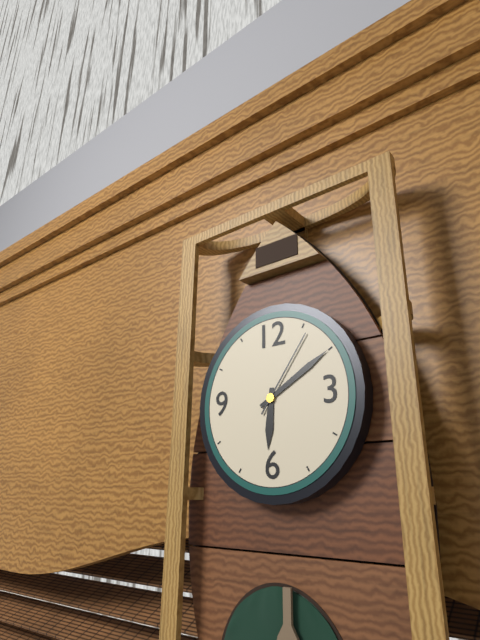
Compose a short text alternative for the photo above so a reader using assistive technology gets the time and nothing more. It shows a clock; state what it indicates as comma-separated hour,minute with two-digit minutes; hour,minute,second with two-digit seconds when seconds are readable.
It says 6,10,06
